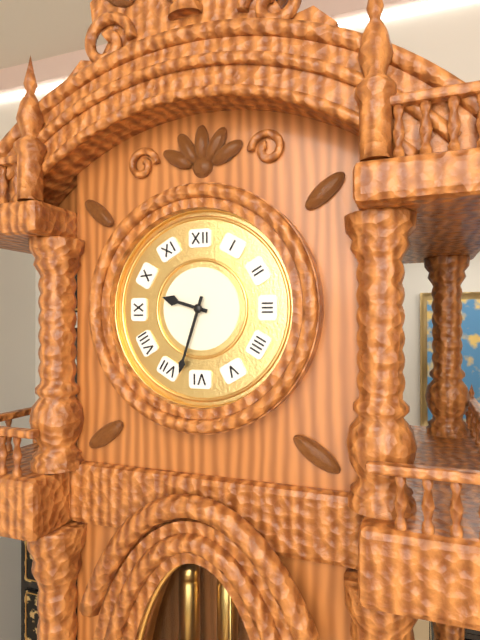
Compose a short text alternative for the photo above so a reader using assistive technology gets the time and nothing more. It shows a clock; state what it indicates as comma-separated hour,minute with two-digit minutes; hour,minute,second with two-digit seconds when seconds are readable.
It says 9,33
